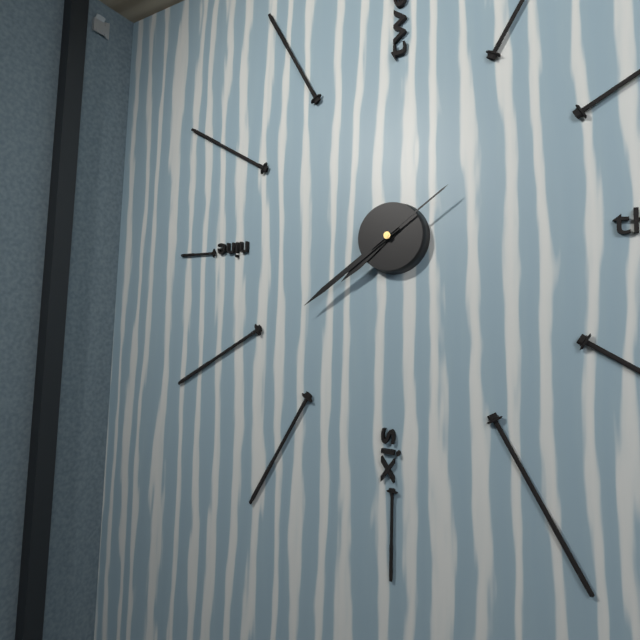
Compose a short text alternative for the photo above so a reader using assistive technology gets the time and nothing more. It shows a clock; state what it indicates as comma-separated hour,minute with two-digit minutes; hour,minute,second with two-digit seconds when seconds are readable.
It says 7,39,09
